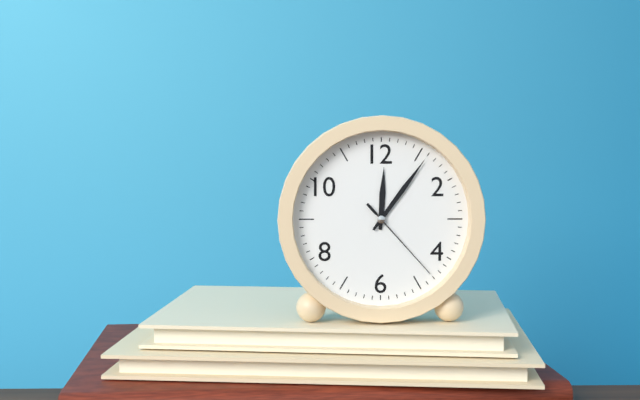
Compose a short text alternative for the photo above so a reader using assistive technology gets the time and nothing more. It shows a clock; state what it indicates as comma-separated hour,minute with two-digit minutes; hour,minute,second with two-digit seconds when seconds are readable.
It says 12,06,23
